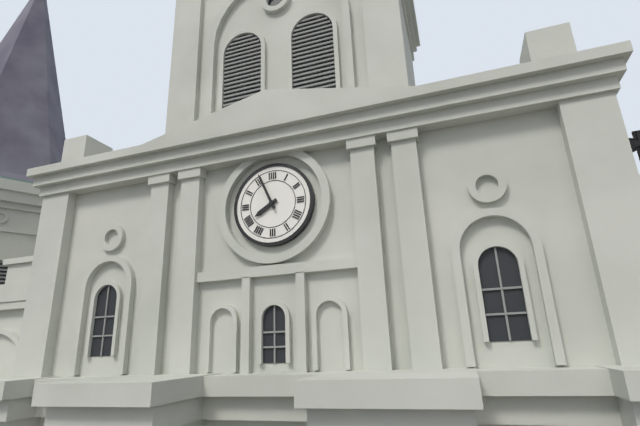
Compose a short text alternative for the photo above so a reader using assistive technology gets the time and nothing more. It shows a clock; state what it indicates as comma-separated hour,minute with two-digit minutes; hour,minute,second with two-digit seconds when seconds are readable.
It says 7,56
